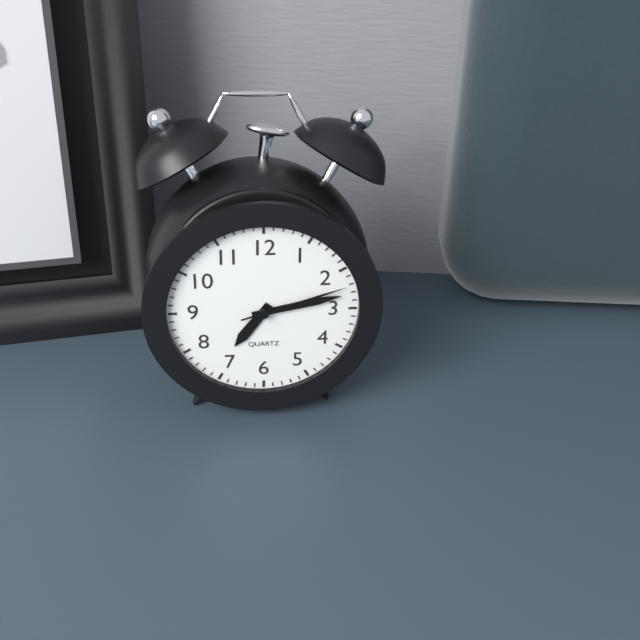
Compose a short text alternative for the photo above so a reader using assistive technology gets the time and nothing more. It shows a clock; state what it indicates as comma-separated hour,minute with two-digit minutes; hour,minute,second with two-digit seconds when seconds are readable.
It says 7,13,12
